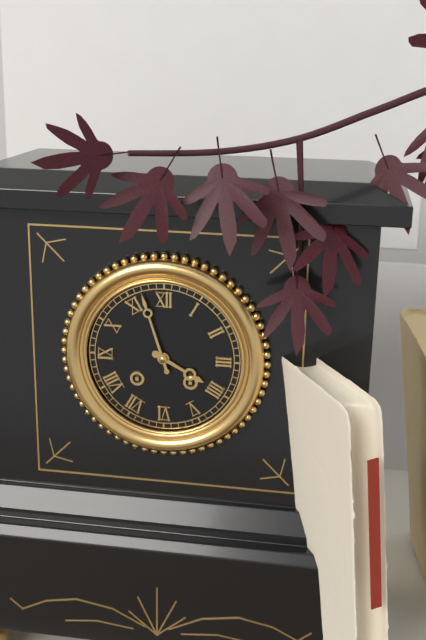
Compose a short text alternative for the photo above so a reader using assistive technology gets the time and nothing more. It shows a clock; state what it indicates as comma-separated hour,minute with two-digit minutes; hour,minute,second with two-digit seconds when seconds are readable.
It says 3,57
